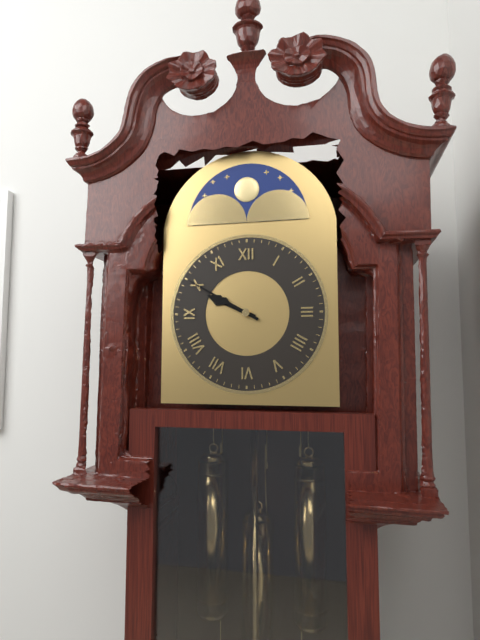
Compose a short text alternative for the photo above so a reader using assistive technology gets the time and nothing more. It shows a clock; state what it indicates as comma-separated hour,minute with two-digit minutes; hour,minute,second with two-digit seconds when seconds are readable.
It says 9,50
